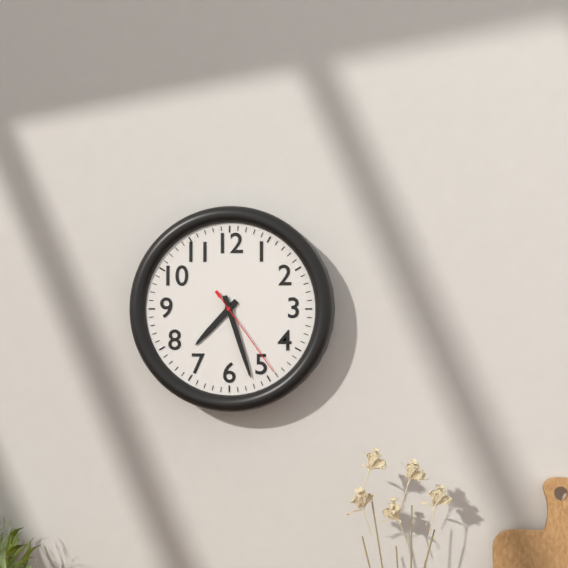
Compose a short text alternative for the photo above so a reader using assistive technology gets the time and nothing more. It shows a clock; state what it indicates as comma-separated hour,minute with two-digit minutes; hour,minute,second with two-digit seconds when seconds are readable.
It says 7,27,24
